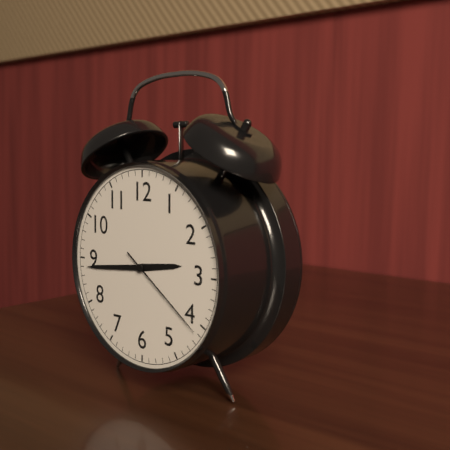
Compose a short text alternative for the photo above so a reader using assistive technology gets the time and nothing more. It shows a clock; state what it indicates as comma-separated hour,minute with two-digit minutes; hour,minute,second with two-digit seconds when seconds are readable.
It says 2,44,21
